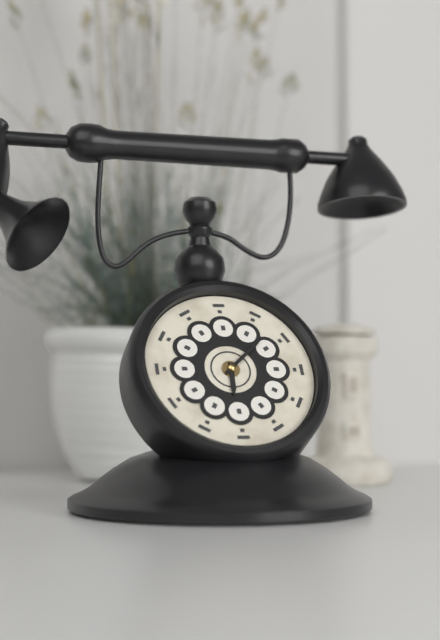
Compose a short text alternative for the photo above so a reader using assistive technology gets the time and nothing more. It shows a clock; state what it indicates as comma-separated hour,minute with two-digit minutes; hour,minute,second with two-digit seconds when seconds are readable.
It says 6,08
